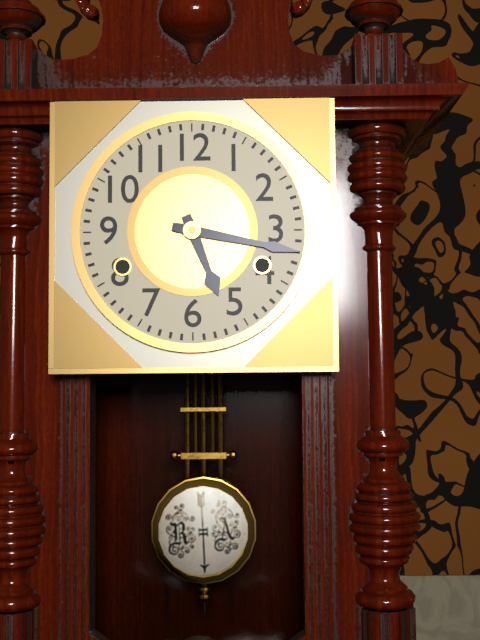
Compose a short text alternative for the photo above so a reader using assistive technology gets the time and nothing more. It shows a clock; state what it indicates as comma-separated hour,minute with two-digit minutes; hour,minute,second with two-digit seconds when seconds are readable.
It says 5,17
